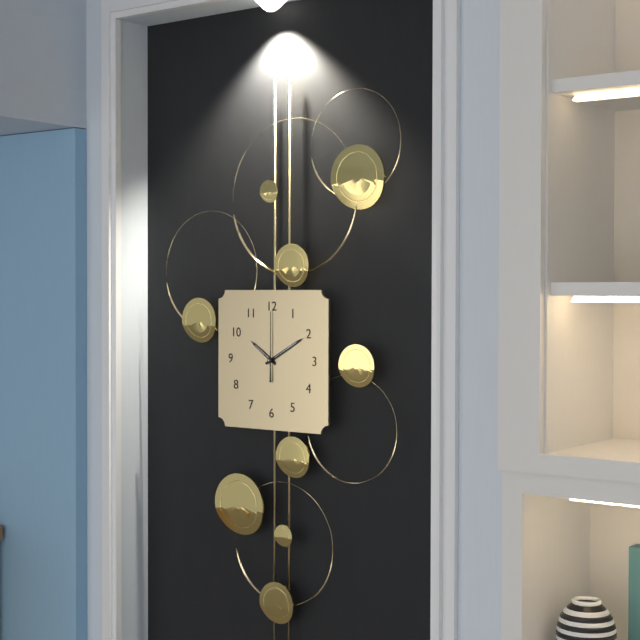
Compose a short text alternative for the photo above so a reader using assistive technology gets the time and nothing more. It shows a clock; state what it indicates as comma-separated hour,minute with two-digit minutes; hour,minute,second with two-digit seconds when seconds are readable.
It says 10,10,00
